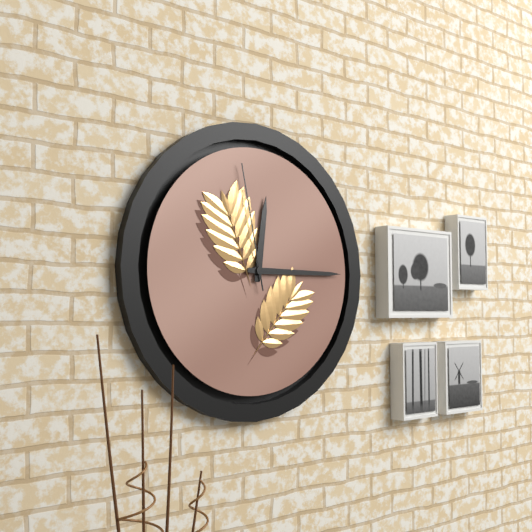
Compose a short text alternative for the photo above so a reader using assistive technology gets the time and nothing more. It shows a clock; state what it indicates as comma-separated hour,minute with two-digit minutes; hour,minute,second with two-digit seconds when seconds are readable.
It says 12,15,58
